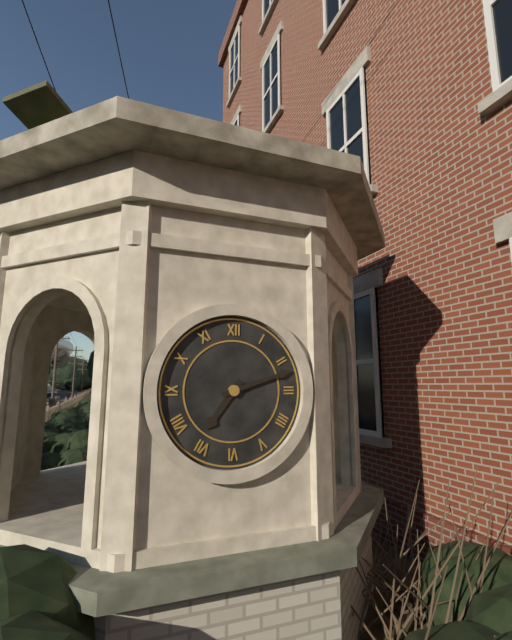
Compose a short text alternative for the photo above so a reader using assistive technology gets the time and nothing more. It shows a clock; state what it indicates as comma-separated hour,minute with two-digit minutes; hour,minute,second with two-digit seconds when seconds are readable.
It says 7,12
